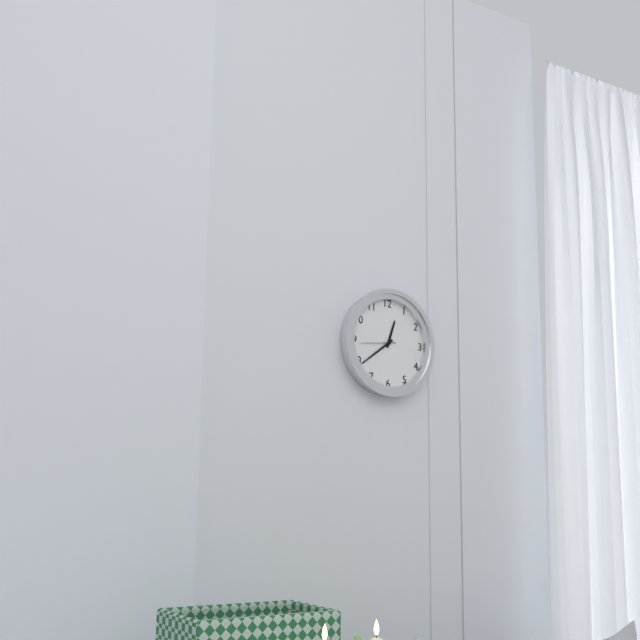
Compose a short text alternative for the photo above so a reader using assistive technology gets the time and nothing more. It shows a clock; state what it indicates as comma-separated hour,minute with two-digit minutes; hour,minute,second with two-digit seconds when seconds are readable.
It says 12,39
